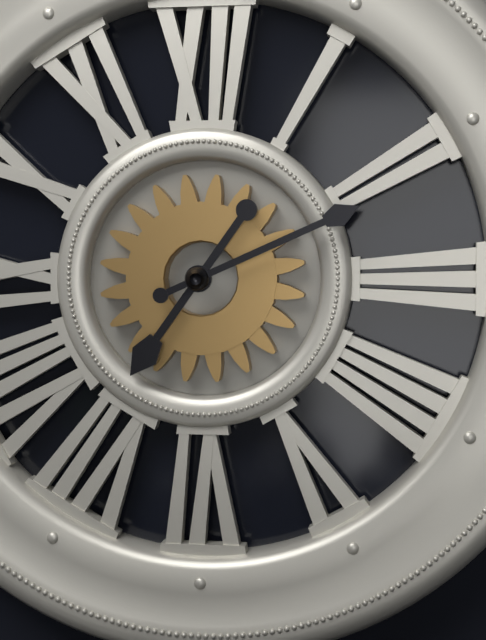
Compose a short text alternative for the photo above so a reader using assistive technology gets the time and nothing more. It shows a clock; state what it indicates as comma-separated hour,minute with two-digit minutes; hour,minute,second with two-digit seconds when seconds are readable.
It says 7,11
